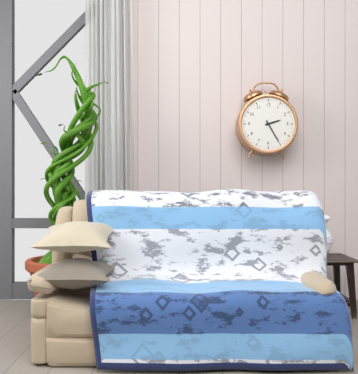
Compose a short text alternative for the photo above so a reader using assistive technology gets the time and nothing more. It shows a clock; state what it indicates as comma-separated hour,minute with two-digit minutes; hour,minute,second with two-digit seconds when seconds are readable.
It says 2,25
